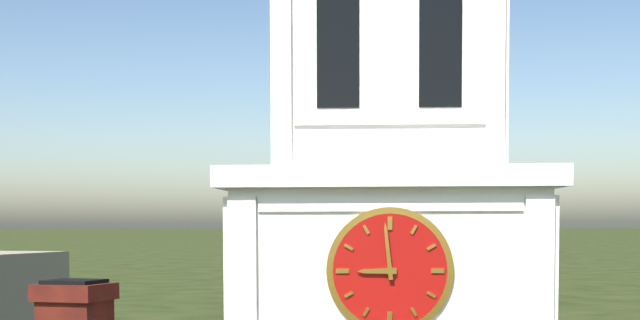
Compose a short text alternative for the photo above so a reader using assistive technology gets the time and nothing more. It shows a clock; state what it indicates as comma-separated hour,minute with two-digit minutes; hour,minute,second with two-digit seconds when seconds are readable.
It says 8,59
